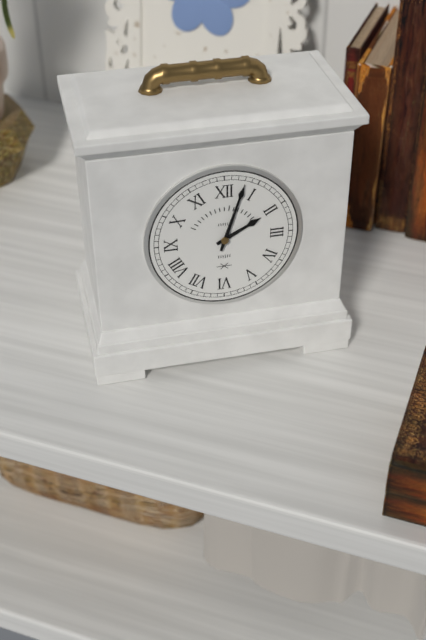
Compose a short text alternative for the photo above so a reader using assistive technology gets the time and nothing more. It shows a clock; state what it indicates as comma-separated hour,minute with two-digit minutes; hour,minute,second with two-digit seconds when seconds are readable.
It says 2,03
